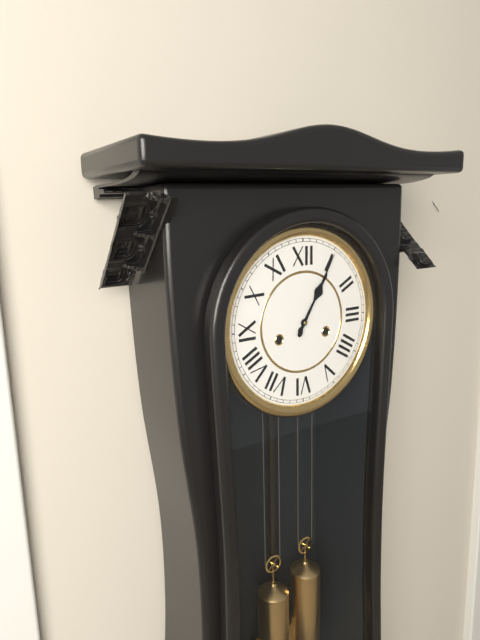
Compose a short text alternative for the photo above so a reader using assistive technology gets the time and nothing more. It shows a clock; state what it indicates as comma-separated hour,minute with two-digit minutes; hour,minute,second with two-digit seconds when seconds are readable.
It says 1,05
